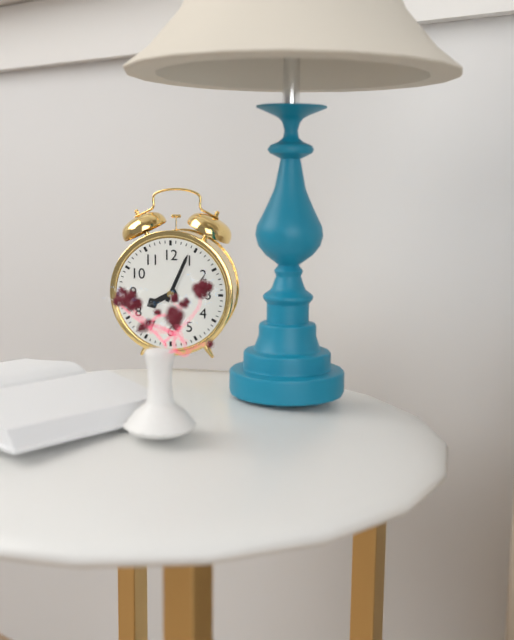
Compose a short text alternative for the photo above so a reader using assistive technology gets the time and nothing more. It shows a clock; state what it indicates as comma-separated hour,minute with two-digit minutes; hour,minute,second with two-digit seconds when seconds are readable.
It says 8,04
